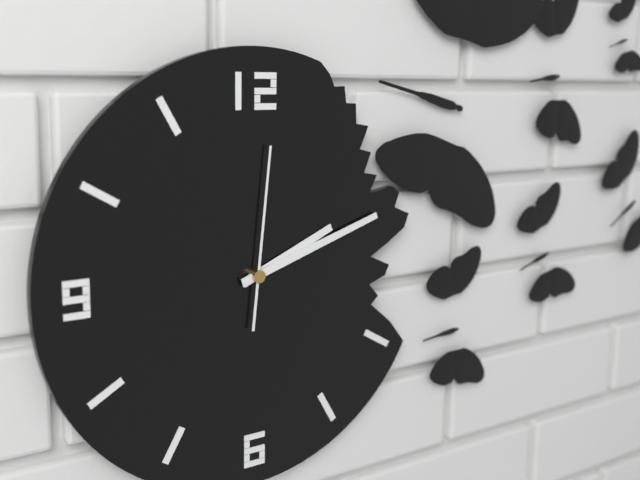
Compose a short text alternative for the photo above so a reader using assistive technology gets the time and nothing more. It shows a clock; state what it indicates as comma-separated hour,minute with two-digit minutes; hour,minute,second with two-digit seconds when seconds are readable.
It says 2,12,01
